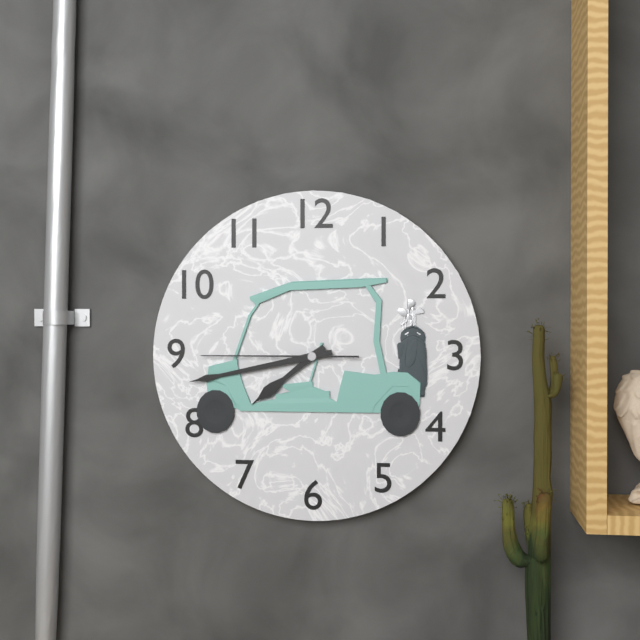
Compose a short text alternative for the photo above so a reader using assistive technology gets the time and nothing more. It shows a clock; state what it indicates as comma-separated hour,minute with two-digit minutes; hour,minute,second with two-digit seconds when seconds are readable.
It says 7,43,45
